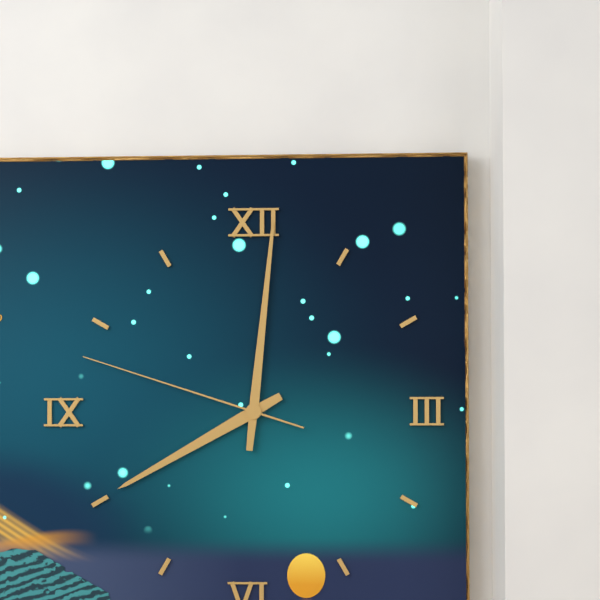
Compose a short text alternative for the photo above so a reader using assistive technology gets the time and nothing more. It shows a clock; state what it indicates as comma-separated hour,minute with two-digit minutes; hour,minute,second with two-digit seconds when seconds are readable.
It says 8,01,48
